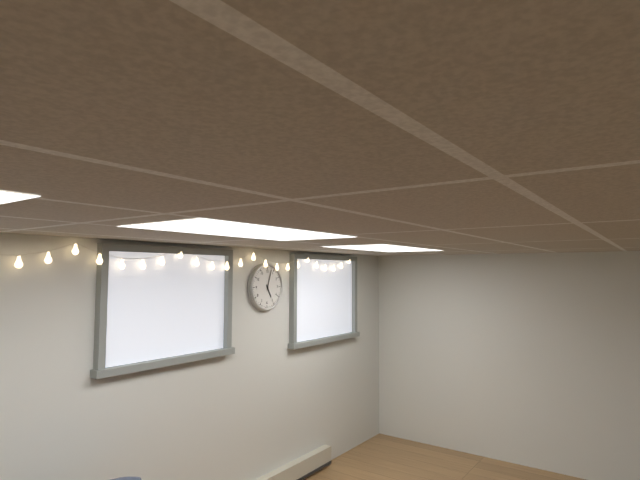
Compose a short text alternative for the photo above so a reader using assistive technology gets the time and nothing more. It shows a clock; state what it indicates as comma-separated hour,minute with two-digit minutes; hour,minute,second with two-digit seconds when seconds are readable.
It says 5,03
